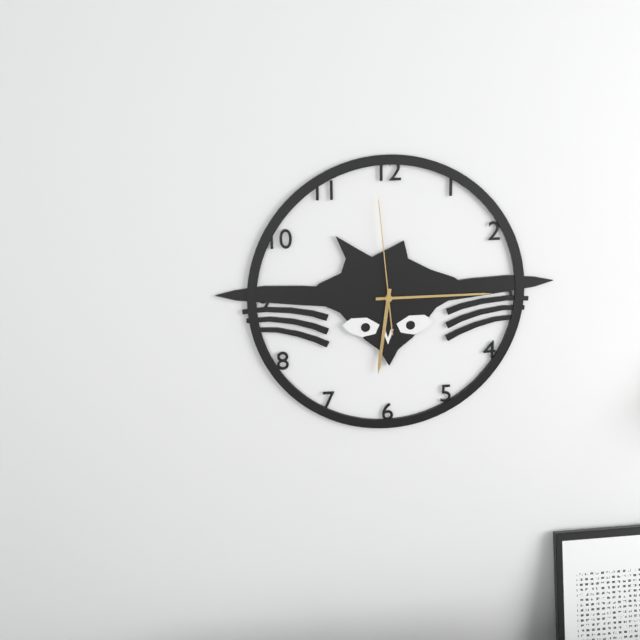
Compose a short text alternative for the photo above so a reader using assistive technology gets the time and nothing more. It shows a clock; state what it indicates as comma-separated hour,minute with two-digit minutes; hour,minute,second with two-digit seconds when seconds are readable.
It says 6,15,59
